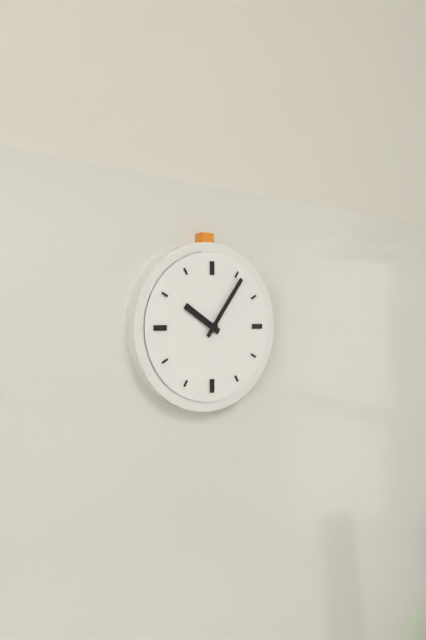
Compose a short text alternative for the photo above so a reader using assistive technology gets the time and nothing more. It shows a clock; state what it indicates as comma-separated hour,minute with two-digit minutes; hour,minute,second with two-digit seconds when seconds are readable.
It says 10,06
